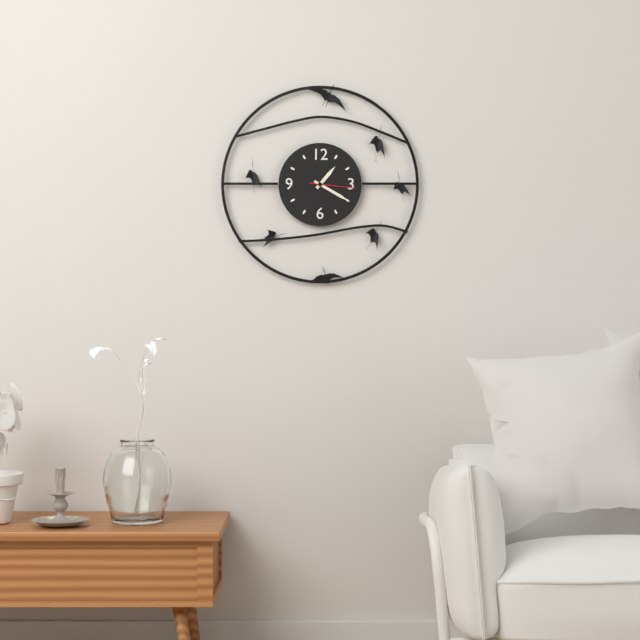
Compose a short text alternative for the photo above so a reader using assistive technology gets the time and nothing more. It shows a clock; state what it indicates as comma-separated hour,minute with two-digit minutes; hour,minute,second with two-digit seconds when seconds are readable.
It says 1,20
